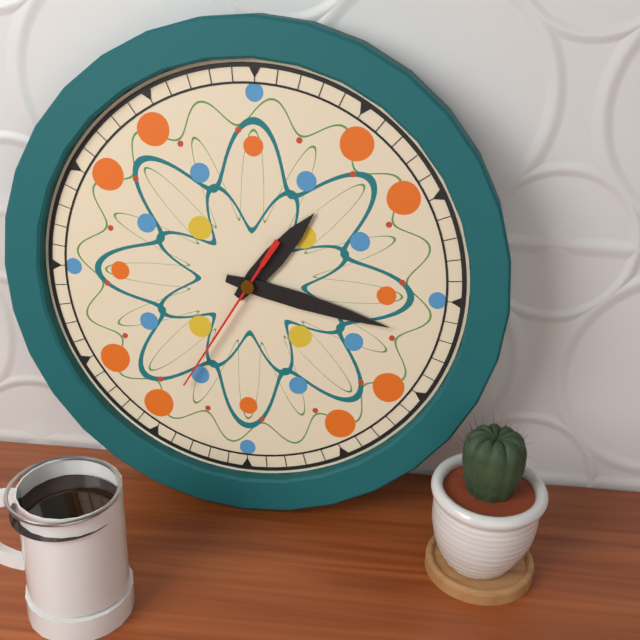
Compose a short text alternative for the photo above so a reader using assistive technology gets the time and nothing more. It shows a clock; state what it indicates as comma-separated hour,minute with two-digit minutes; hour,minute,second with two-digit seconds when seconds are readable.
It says 1,17,35
